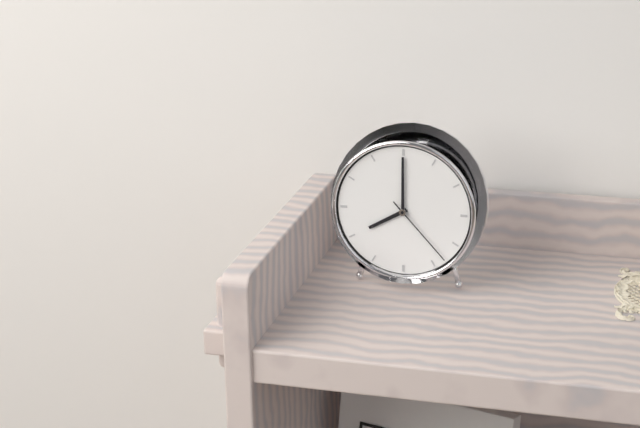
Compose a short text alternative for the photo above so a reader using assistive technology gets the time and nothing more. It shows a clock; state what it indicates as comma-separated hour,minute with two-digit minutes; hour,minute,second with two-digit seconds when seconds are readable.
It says 8,00,23
